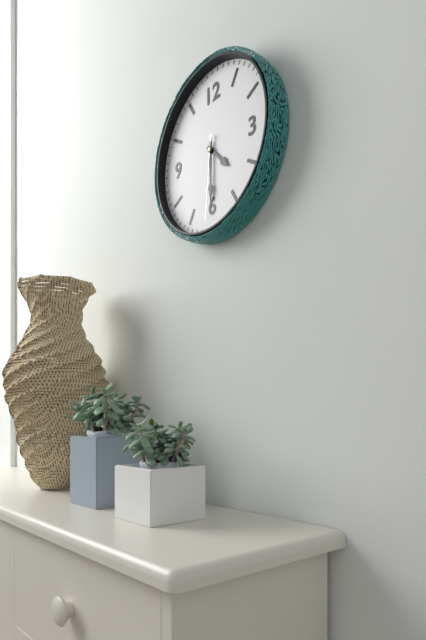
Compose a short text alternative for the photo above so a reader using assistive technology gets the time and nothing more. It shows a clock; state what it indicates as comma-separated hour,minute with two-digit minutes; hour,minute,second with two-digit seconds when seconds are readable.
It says 4,30,31
